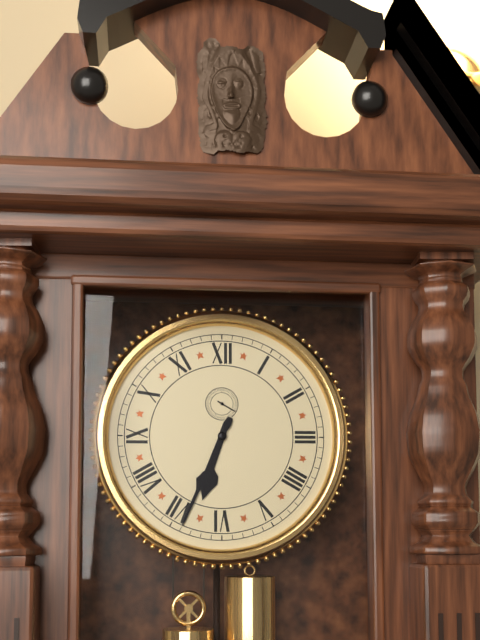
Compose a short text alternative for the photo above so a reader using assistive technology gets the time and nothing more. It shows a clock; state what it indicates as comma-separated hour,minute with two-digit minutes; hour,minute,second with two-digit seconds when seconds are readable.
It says 6,34
